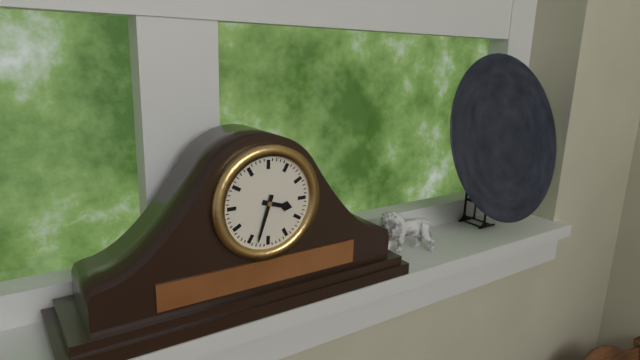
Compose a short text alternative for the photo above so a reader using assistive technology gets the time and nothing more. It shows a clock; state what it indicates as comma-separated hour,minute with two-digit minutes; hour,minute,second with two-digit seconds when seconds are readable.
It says 3,33
